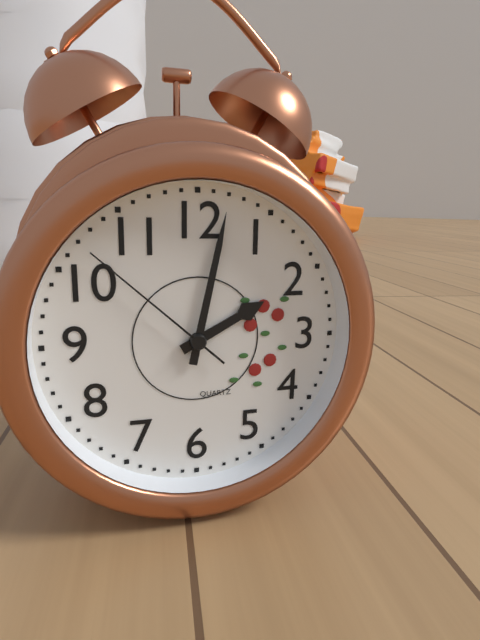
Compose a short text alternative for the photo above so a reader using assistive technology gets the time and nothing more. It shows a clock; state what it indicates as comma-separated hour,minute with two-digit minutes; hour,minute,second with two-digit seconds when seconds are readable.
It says 2,02,52
